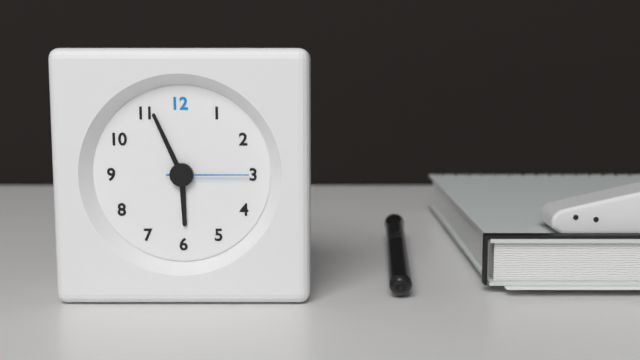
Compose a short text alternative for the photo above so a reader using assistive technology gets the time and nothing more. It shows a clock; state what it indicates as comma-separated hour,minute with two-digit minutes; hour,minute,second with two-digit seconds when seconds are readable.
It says 5,56,15
